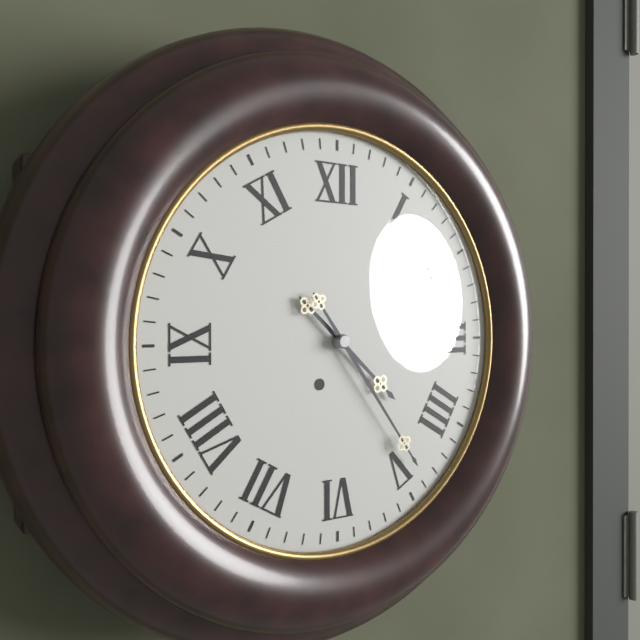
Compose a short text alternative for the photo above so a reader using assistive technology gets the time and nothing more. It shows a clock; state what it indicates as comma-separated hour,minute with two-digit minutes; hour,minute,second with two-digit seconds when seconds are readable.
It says 4,24
